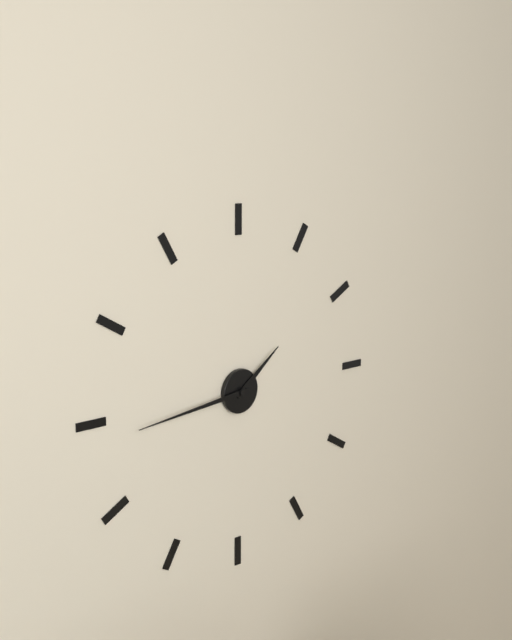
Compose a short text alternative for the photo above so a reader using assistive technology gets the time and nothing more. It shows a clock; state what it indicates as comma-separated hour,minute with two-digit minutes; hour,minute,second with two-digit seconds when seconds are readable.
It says 1,44
